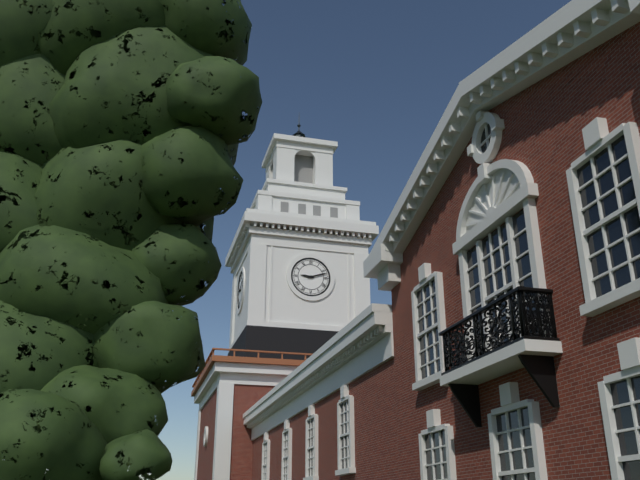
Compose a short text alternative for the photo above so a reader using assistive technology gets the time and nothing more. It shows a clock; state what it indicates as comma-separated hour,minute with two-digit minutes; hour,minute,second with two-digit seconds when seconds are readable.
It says 9,12
